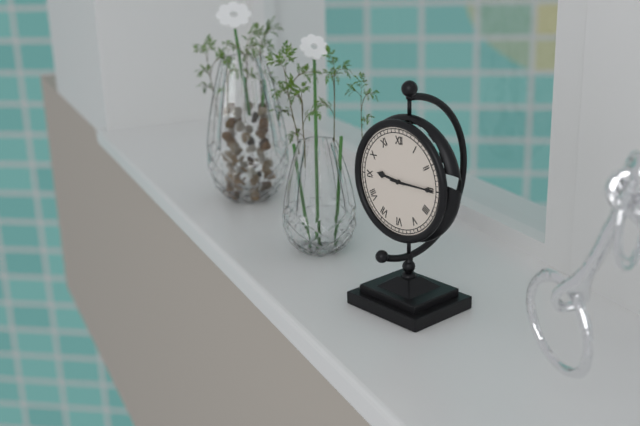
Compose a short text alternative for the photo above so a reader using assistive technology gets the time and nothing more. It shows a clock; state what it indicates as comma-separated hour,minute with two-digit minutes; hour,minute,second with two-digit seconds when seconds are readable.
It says 9,15
